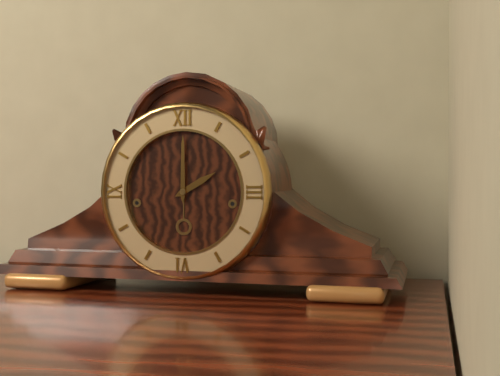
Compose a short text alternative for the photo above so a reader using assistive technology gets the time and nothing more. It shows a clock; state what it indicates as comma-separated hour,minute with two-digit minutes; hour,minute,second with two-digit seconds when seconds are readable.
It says 2,00
